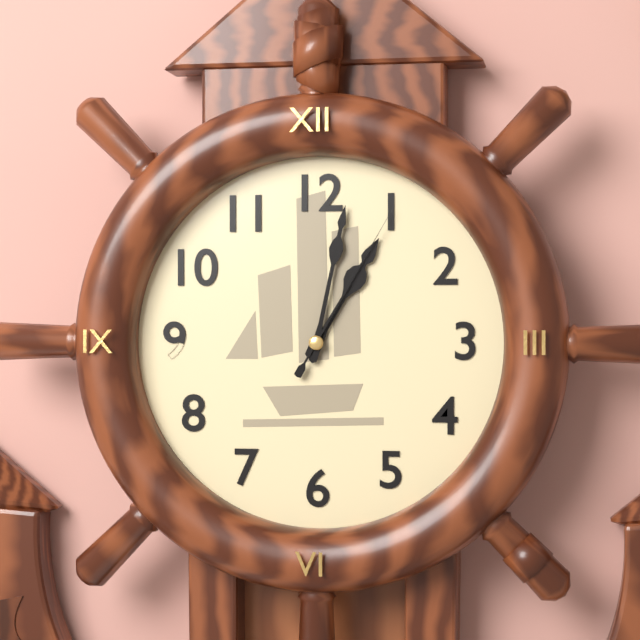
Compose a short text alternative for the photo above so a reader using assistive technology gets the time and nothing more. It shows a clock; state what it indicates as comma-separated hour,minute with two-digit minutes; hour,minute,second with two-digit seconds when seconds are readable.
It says 1,02,05
